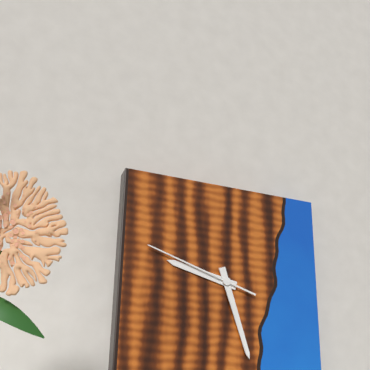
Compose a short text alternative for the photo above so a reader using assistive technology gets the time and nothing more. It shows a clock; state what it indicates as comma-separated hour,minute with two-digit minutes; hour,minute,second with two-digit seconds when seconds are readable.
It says 9,27,48
